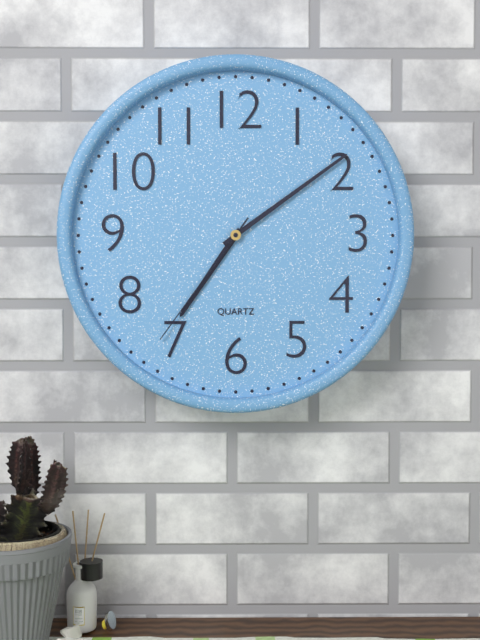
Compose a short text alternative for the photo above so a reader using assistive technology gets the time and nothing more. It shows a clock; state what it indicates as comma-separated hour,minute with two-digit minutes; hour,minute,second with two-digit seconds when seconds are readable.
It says 7,09,36
